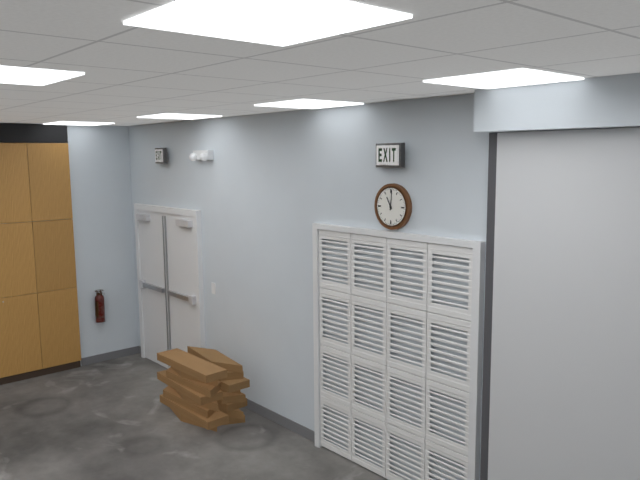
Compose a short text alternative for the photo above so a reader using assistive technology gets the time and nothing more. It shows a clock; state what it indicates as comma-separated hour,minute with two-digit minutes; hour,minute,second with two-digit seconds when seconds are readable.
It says 11,01
